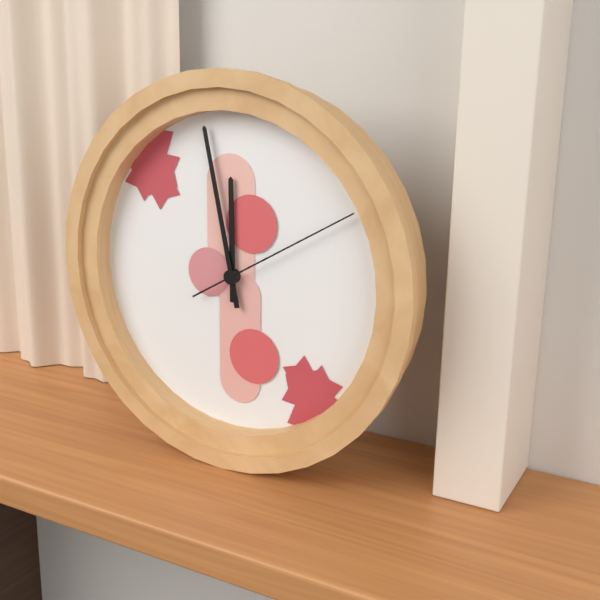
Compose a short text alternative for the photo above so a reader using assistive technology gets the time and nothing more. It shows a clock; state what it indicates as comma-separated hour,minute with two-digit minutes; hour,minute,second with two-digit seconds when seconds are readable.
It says 11,58,10
